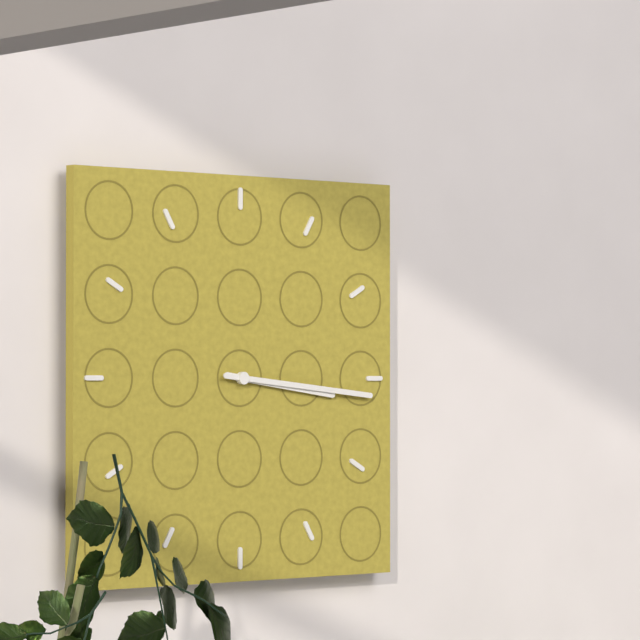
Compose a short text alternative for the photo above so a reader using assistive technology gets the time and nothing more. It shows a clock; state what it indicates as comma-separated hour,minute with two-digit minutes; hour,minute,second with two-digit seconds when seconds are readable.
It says 3,16
